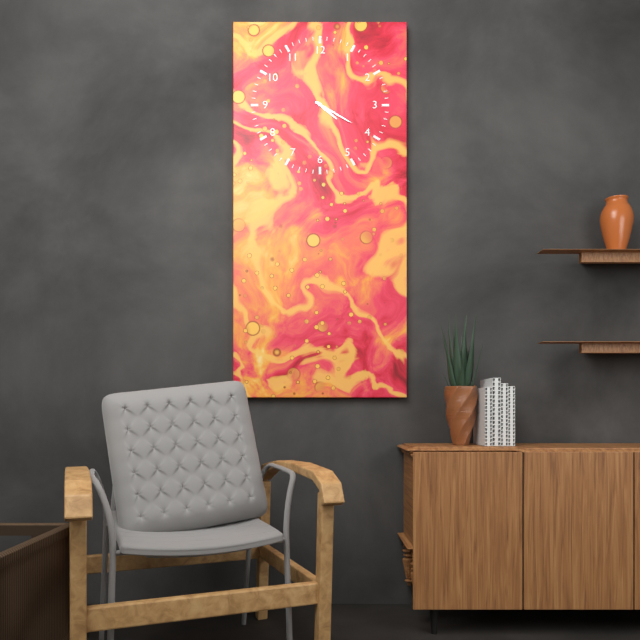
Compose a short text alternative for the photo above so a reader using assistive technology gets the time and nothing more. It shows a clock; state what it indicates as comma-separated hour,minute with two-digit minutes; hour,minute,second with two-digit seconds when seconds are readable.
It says 4,20
